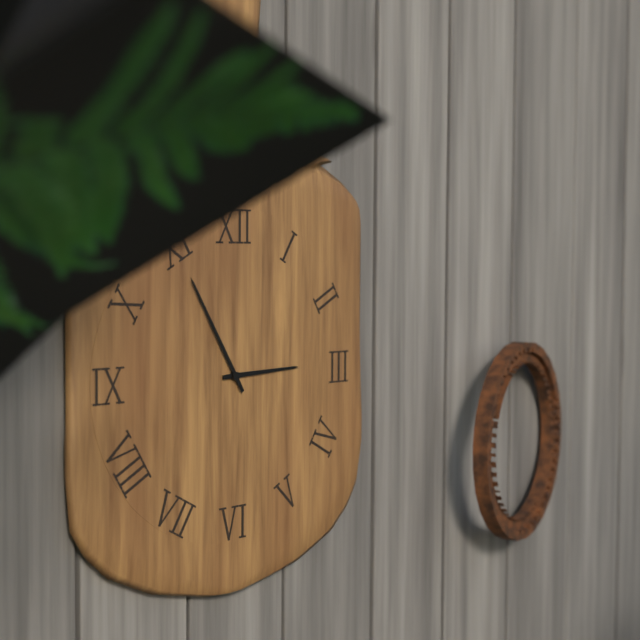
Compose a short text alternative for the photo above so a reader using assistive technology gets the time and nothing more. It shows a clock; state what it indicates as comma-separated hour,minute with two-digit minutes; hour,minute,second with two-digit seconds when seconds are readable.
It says 2,55
